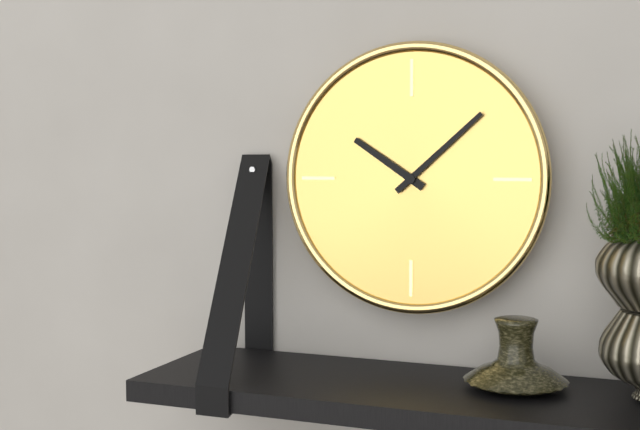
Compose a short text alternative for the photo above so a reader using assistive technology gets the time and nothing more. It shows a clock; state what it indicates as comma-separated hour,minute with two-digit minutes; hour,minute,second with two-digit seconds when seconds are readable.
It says 10,08
